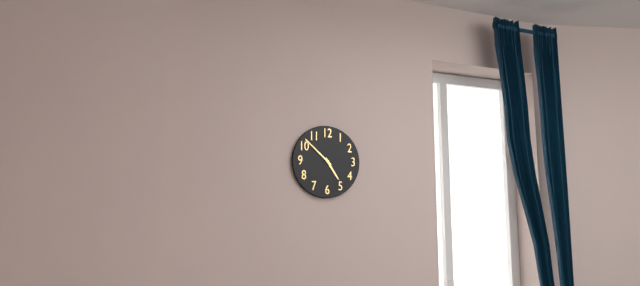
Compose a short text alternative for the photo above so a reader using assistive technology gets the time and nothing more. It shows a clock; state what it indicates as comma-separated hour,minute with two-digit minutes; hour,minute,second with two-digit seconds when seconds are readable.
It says 4,52
